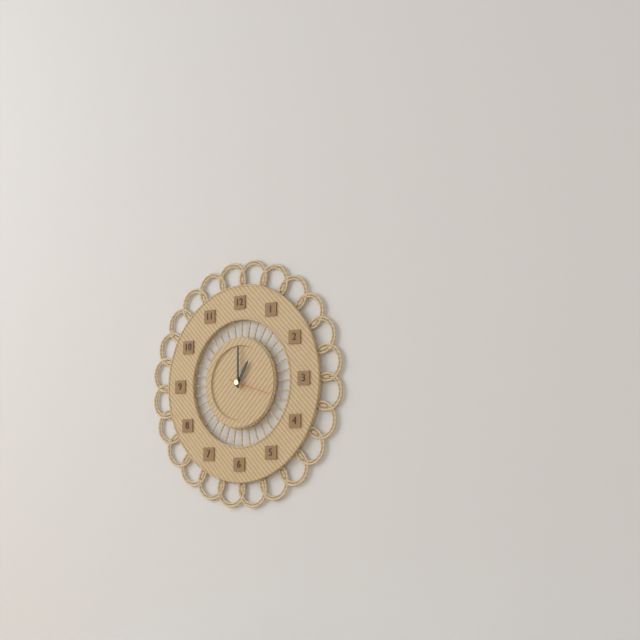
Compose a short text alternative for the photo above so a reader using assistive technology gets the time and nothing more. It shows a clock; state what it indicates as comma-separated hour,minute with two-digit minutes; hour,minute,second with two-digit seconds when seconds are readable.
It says 1,00
